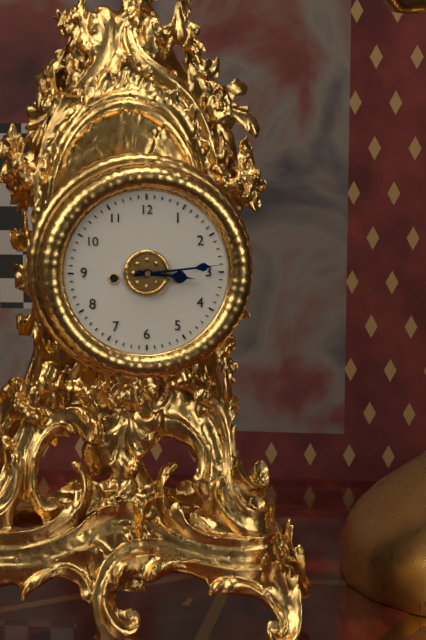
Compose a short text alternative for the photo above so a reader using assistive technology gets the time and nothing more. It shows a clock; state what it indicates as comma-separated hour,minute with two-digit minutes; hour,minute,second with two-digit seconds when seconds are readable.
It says 3,14
